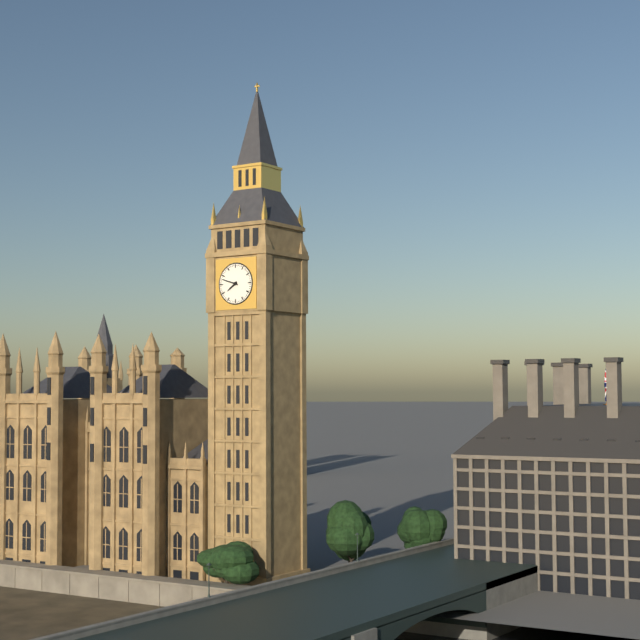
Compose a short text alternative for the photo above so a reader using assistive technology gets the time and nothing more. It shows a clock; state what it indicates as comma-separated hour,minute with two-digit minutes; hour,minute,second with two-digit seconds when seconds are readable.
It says 7,48
